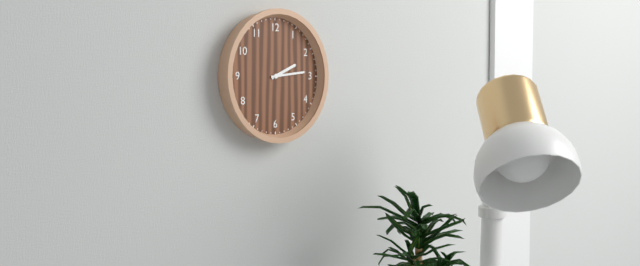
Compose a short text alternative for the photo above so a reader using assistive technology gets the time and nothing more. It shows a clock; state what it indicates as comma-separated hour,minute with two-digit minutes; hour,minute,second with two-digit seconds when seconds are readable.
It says 2,14
